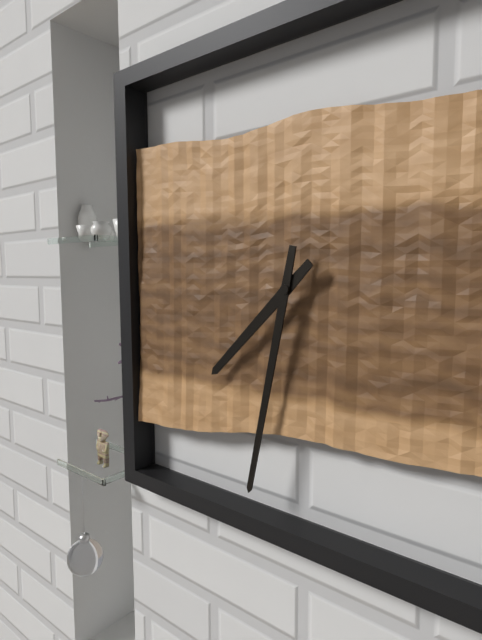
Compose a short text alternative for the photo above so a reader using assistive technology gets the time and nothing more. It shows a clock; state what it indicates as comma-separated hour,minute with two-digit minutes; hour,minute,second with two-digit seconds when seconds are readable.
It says 7,32
